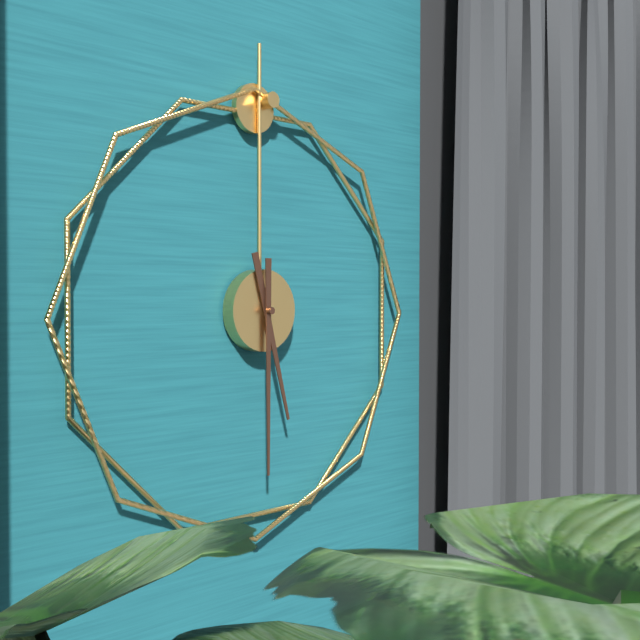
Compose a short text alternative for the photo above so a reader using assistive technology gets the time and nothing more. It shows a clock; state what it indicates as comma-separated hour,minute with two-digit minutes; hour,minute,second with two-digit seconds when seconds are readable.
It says 5,30
